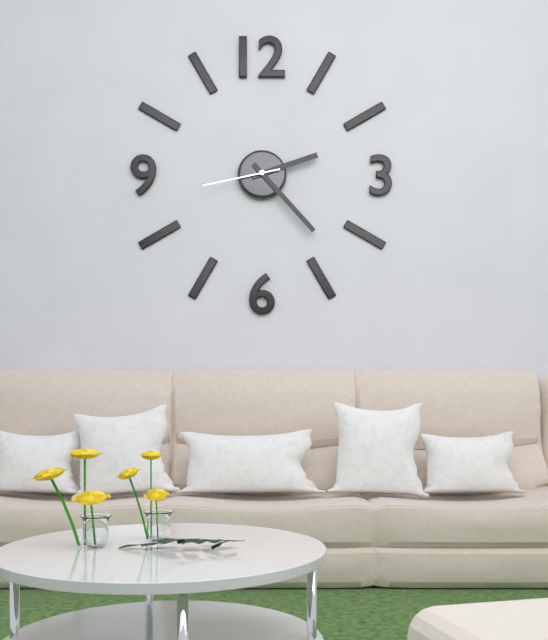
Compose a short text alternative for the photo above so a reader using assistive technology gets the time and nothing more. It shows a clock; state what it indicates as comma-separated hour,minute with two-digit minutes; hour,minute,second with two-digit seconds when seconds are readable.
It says 2,23,43
